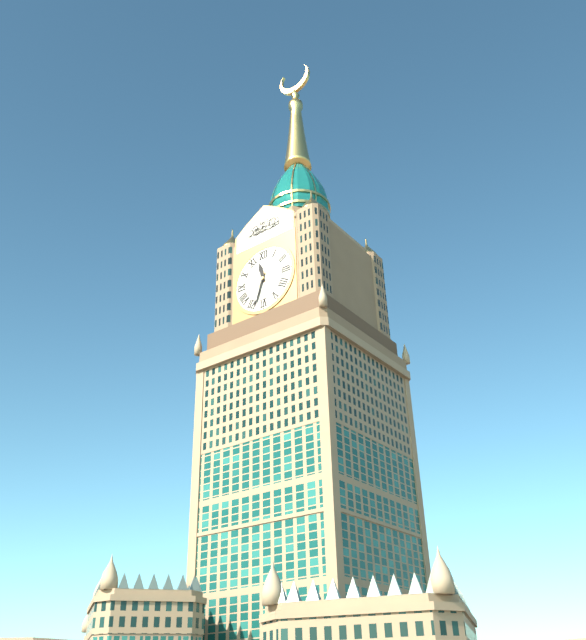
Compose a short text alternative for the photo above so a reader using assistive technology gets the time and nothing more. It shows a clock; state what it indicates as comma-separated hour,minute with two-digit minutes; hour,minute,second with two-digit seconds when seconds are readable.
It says 11,33
